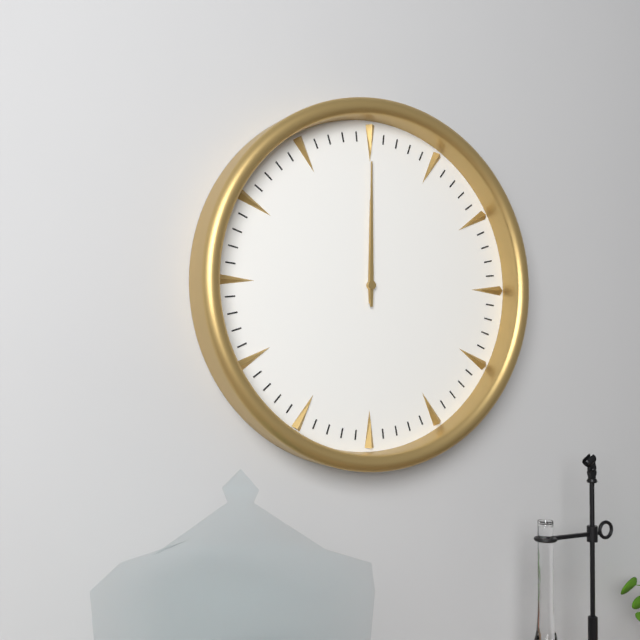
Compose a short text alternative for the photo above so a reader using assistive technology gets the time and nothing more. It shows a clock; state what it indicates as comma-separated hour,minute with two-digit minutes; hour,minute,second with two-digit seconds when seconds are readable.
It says 12,00
